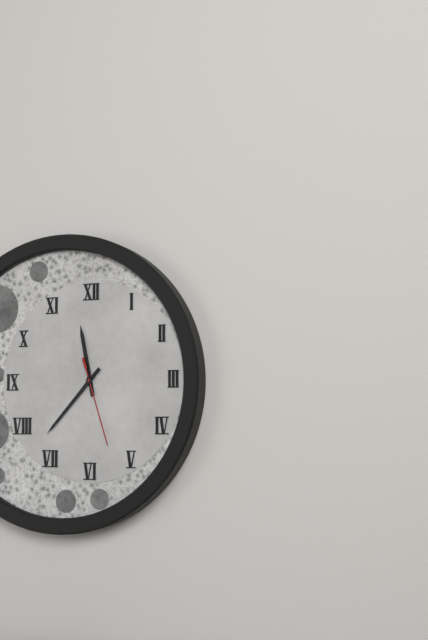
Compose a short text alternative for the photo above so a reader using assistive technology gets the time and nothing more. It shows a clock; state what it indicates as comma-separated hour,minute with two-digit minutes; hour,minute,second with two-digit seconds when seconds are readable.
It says 11,37,27
